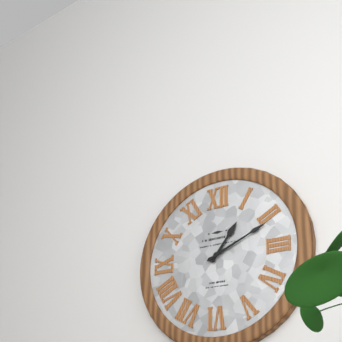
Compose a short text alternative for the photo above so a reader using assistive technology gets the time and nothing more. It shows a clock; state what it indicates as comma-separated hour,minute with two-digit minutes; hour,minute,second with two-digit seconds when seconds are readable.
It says 1,11
